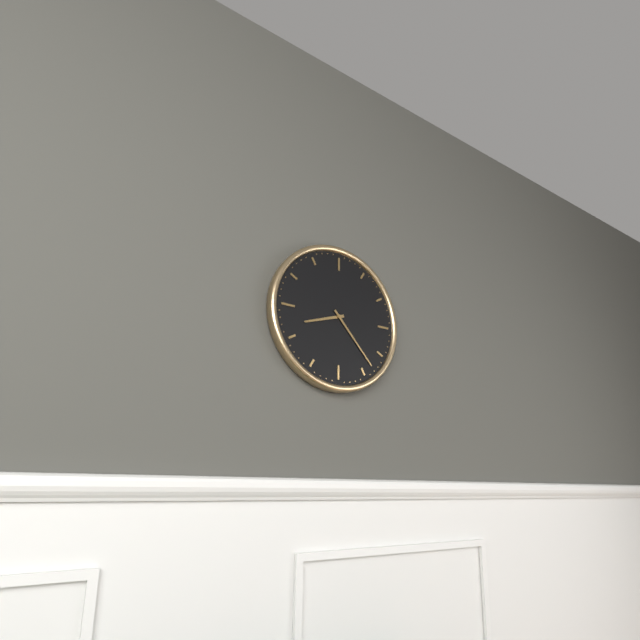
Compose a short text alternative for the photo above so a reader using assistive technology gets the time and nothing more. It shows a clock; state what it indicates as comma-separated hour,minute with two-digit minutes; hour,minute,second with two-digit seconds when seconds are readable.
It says 8,23
